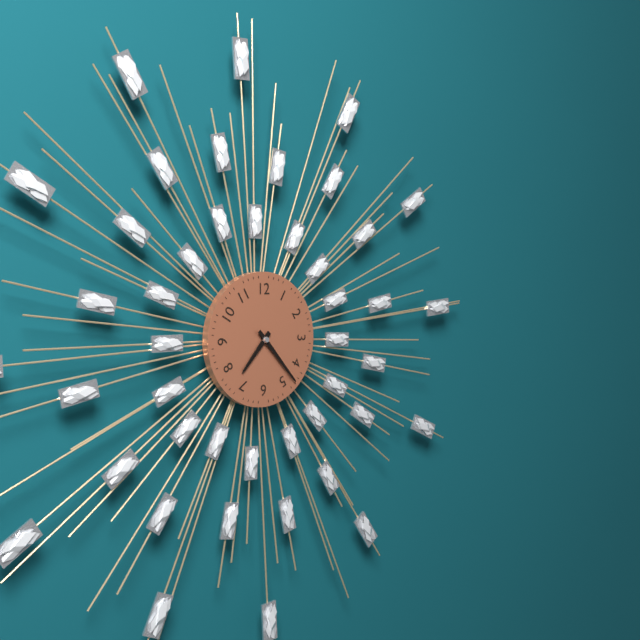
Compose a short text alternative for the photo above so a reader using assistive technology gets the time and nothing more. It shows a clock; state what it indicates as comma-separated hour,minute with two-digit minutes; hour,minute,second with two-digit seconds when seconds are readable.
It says 7,23
